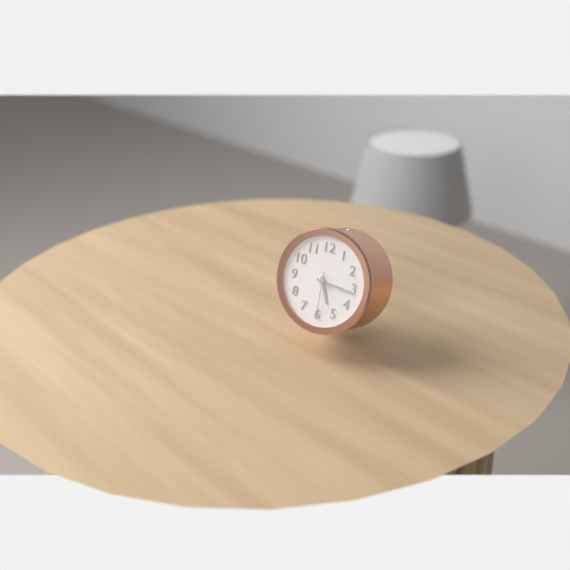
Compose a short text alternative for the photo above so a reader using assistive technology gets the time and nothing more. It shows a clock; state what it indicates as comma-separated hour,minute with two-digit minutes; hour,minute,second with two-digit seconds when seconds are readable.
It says 5,16
